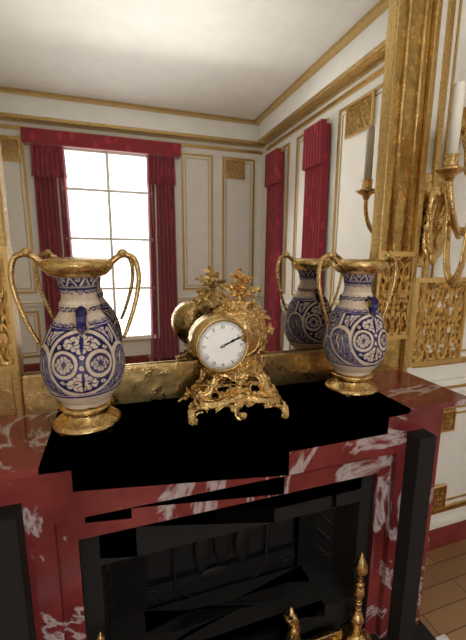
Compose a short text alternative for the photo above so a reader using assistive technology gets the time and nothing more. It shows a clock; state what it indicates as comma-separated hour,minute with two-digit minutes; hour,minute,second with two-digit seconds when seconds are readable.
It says 2,11
